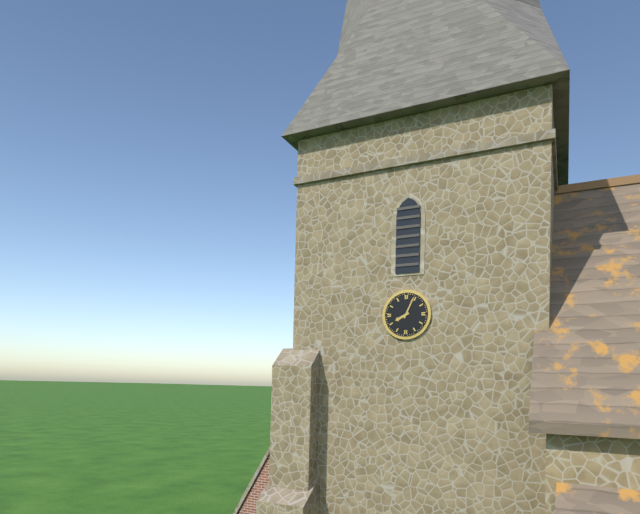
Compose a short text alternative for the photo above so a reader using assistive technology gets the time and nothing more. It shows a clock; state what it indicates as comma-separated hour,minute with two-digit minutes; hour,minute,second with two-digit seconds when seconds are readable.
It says 8,04
